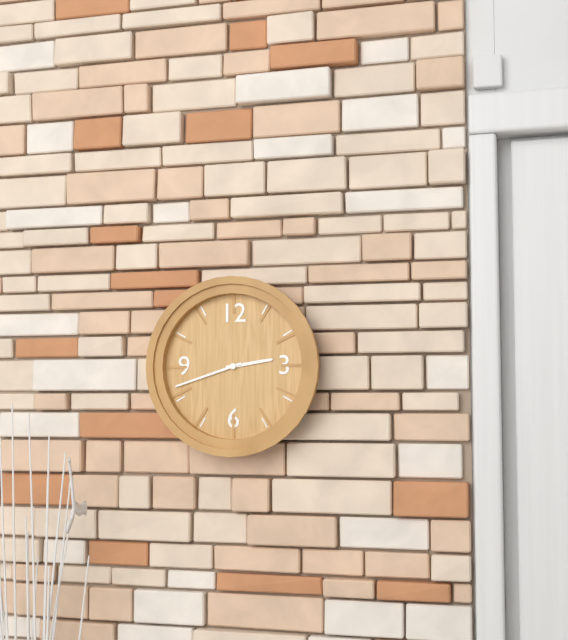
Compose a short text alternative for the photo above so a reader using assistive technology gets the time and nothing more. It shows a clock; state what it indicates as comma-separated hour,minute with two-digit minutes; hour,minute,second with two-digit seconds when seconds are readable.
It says 2,42
